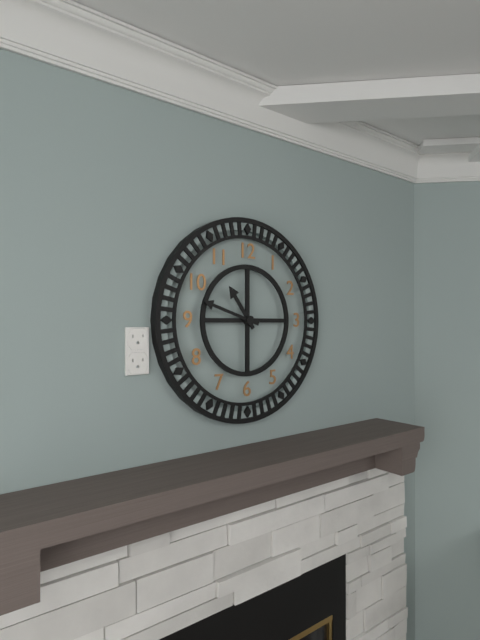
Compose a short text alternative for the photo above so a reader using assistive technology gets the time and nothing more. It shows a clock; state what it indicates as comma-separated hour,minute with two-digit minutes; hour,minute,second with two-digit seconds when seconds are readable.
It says 10,48
